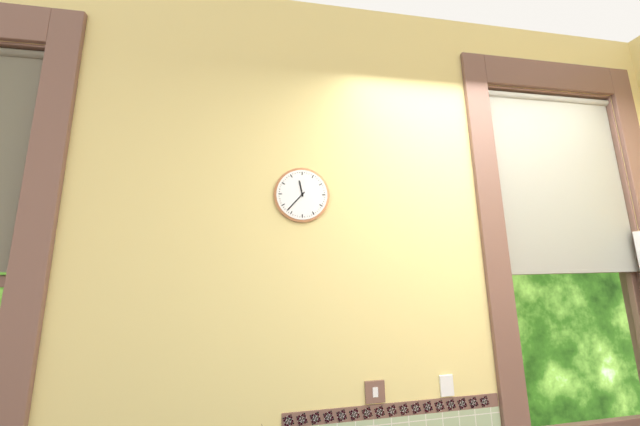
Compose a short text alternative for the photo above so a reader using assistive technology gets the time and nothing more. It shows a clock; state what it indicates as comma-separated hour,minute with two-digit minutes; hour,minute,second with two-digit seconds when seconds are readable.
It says 11,37
